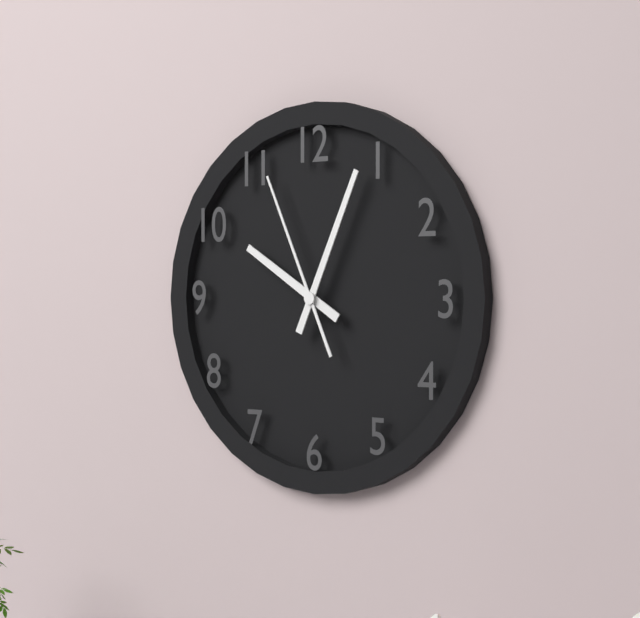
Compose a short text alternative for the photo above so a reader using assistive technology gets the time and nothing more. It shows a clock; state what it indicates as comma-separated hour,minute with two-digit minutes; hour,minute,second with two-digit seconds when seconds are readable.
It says 10,04,56
